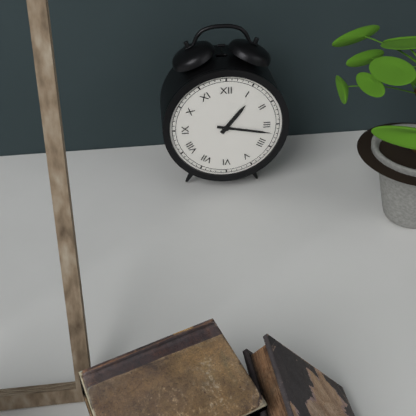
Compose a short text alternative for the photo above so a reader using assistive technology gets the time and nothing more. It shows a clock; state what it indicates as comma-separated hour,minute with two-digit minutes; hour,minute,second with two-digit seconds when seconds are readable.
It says 1,17
